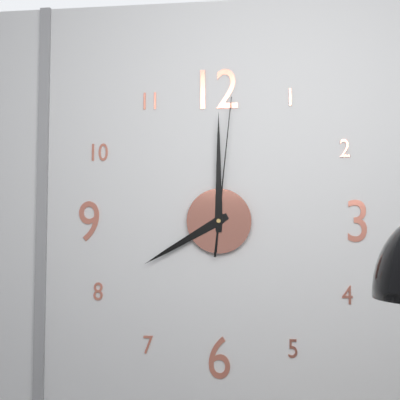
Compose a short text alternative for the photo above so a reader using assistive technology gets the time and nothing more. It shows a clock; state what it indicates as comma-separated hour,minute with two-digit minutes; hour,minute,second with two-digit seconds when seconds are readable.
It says 8,00,01
